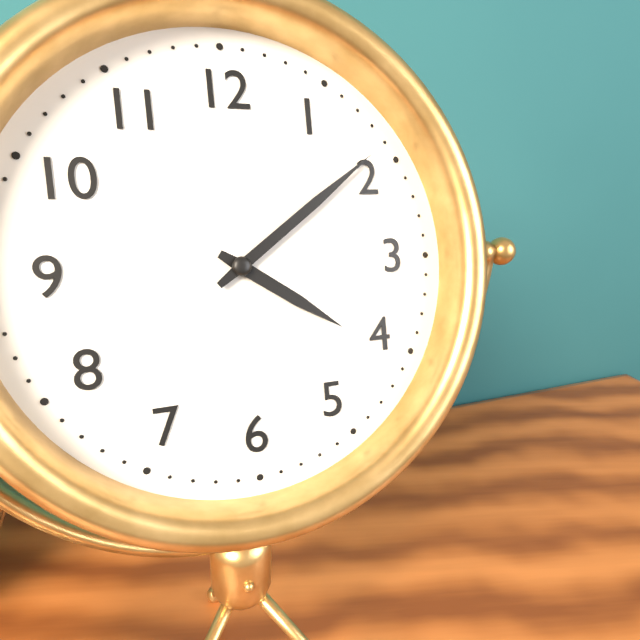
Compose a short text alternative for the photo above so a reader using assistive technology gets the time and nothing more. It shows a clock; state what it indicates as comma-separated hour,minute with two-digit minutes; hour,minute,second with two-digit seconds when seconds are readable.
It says 4,09
